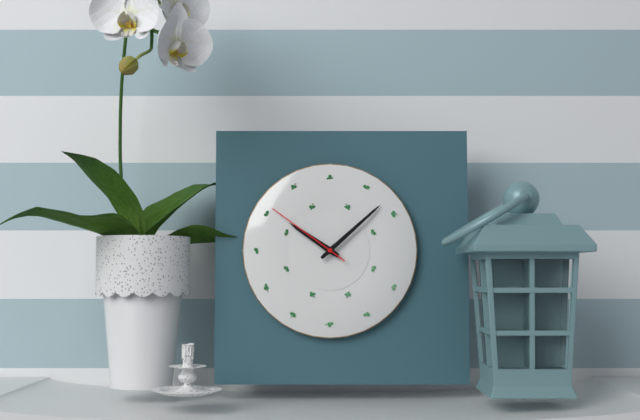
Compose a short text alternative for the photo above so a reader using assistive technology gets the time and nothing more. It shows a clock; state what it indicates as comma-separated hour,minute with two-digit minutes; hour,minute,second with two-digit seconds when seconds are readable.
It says 10,08,51
